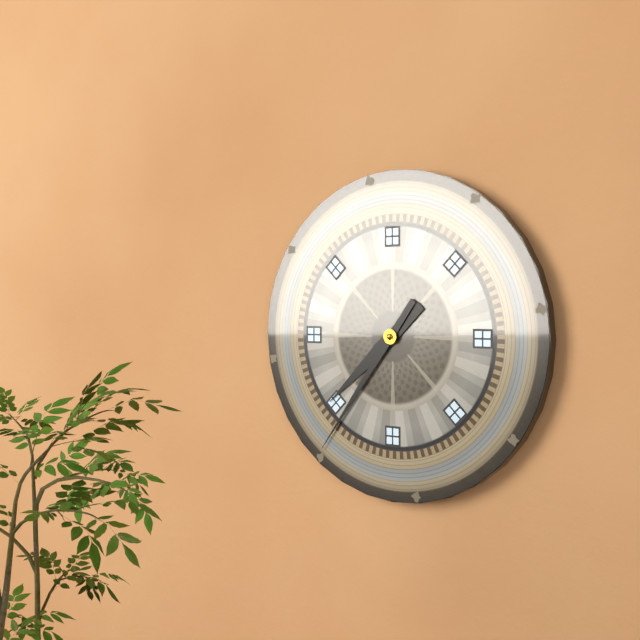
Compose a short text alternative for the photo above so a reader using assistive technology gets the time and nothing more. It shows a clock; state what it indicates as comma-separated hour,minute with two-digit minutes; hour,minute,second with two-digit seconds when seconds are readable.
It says 7,36
